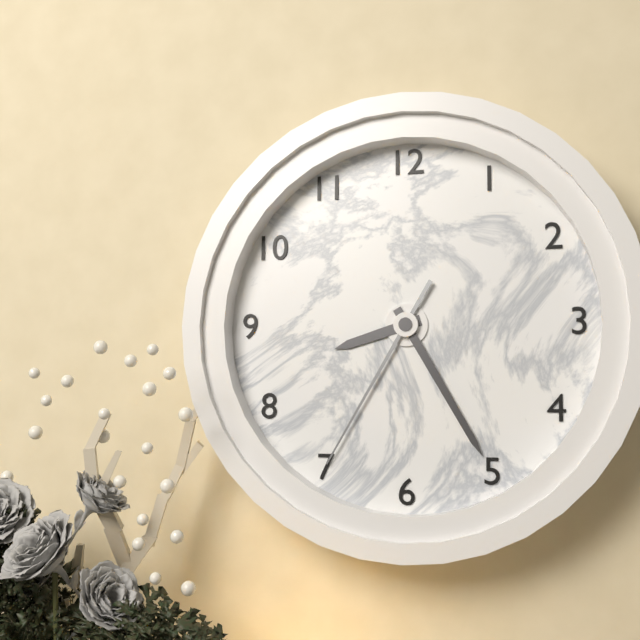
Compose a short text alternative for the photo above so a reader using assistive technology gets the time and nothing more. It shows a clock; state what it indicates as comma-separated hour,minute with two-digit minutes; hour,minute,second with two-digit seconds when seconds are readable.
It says 8,25,35
